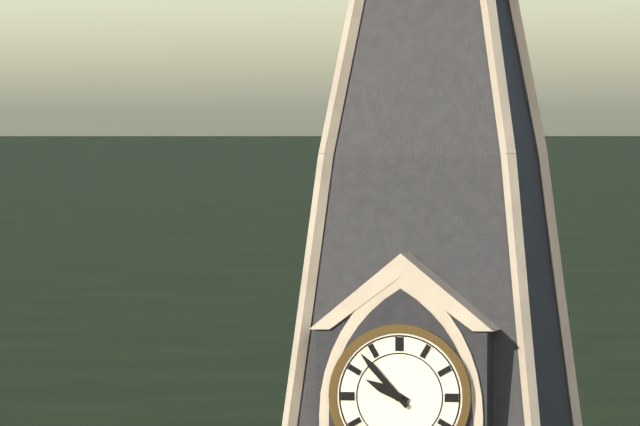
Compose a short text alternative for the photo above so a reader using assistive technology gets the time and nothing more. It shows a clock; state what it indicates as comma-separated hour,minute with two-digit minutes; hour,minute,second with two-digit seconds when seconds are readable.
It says 9,53
